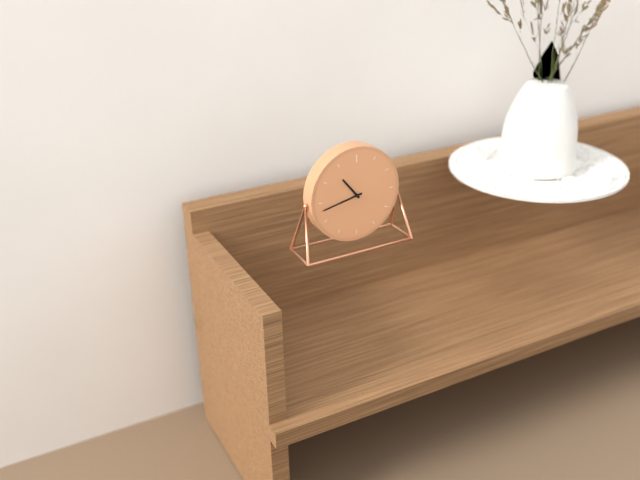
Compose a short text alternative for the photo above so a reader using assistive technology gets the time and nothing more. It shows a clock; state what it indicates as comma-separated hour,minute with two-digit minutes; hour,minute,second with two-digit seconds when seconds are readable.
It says 10,43
